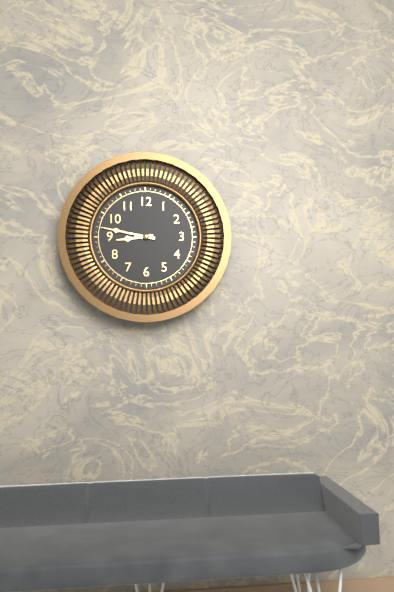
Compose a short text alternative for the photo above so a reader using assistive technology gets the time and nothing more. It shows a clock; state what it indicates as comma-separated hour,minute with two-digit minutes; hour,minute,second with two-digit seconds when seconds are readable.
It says 8,47
